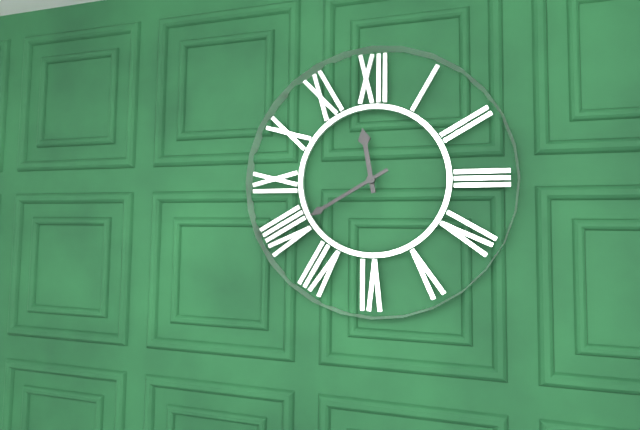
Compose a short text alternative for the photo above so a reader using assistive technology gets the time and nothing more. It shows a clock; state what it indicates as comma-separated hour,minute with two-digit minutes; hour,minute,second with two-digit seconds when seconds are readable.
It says 11,40
